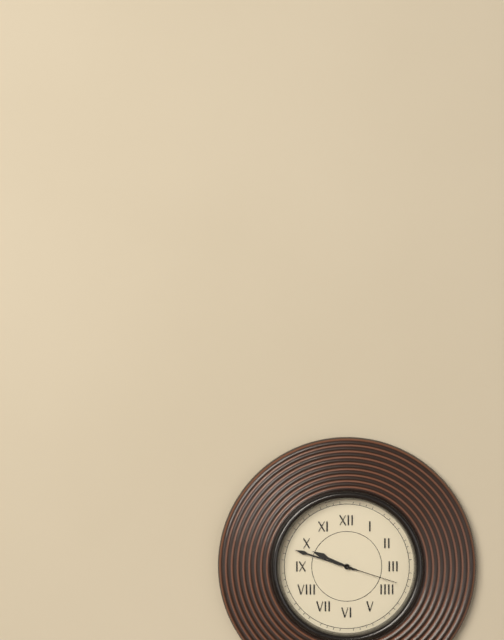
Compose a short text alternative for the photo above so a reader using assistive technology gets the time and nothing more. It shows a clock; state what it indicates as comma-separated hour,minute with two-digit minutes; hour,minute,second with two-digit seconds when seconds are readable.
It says 9,48,18
